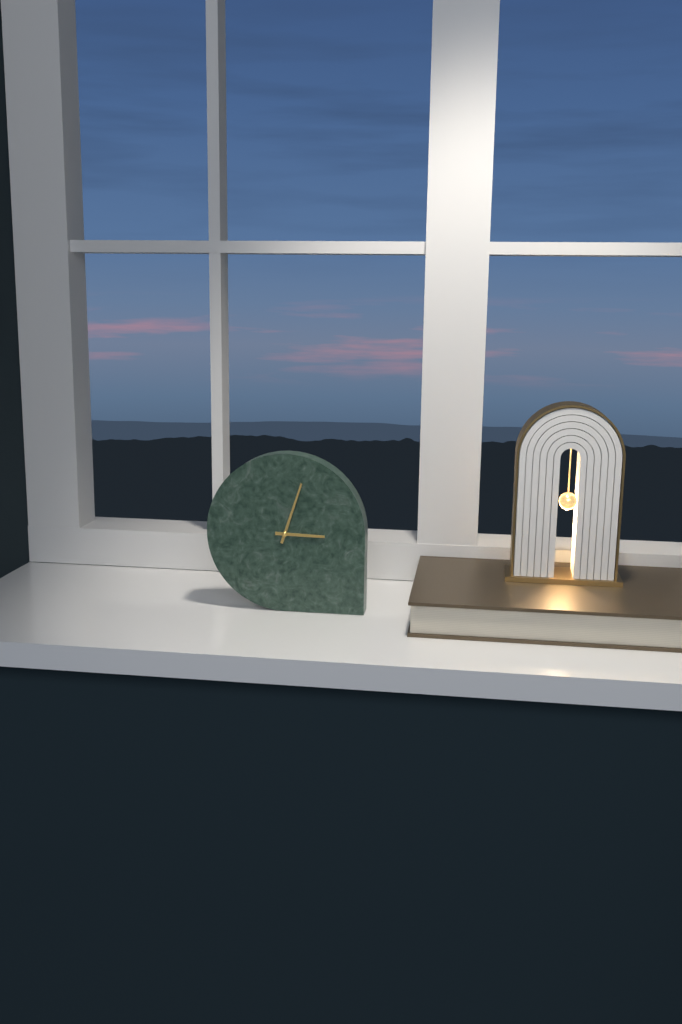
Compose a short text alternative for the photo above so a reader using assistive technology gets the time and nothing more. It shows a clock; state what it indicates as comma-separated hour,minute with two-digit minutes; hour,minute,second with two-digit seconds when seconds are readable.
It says 3,03
